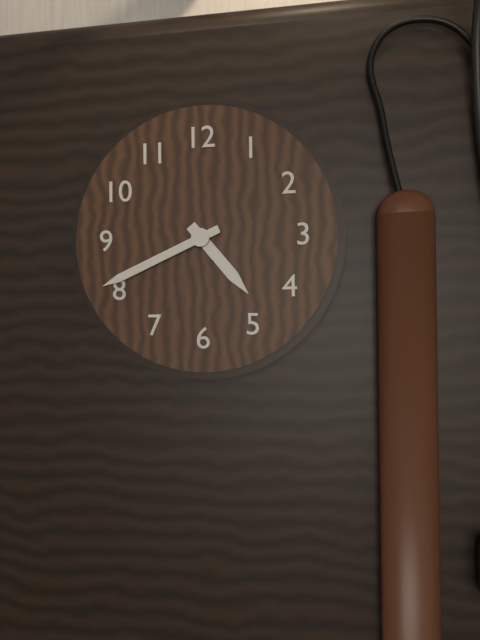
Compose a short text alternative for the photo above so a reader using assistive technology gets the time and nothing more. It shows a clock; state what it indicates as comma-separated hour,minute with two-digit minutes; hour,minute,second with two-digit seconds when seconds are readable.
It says 4,41
